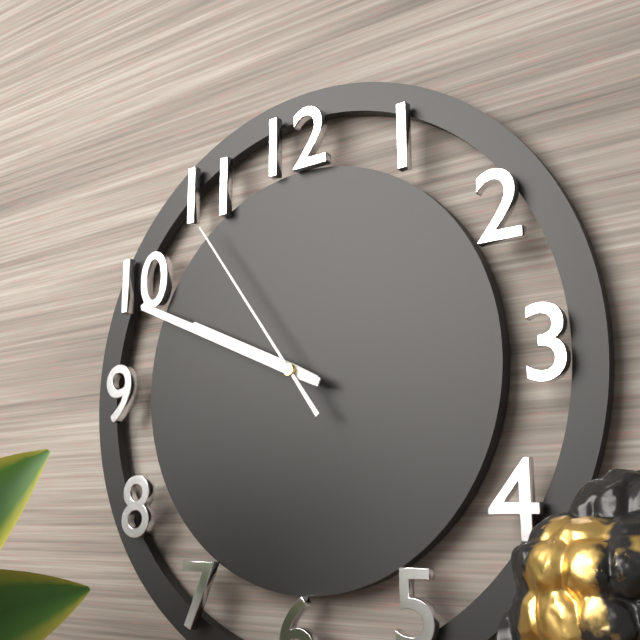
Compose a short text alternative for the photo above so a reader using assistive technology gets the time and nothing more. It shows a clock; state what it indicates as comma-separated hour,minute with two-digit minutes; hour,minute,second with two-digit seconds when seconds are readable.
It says 9,49,54
